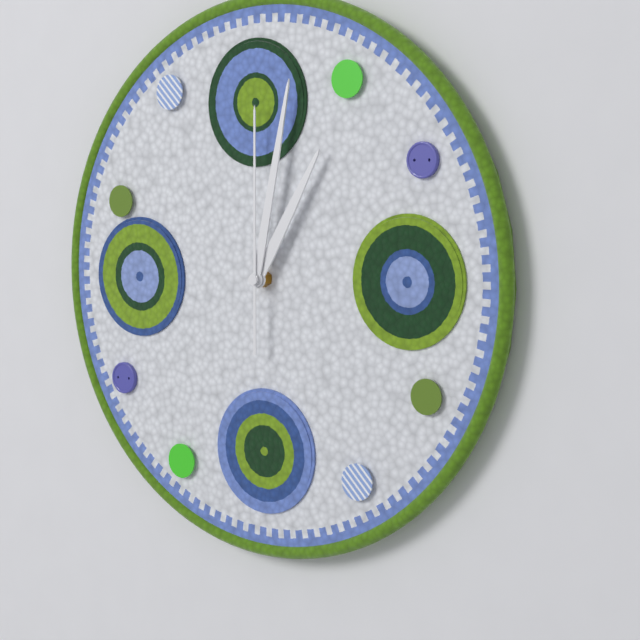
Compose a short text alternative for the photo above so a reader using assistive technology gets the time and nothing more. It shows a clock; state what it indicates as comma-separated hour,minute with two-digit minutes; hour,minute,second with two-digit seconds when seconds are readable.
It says 1,02,00
